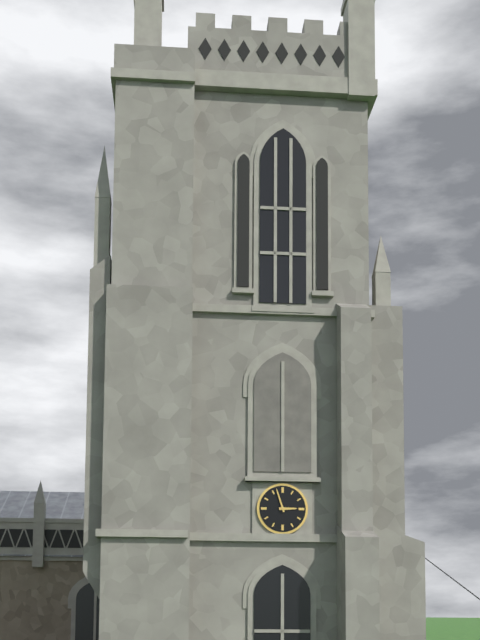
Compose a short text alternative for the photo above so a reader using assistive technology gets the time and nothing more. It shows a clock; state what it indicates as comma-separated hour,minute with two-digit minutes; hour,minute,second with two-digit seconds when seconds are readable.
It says 2,57
